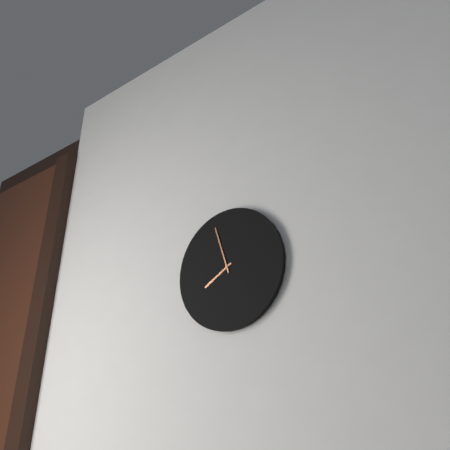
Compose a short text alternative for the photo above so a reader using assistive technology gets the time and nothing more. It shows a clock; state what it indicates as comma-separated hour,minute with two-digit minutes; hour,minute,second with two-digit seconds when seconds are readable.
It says 7,57
